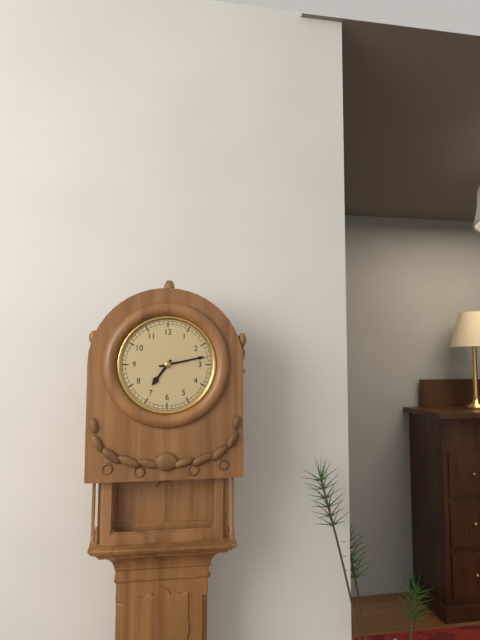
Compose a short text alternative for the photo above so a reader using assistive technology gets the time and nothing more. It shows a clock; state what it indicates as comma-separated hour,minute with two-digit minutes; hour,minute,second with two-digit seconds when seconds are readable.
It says 7,13
